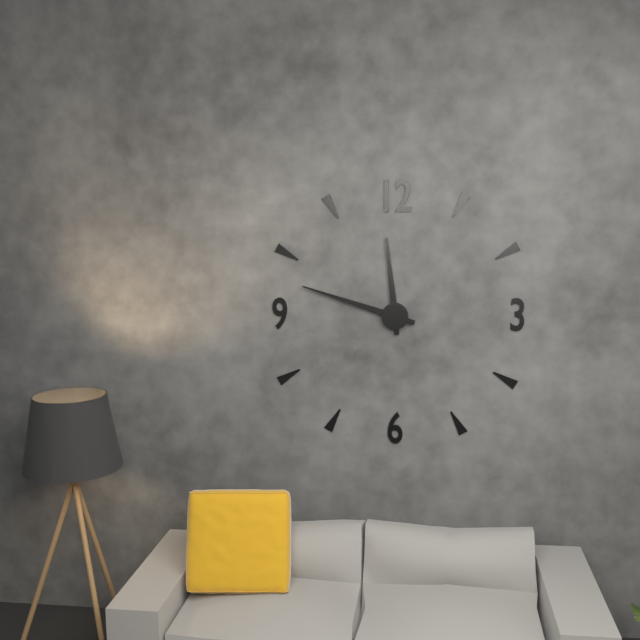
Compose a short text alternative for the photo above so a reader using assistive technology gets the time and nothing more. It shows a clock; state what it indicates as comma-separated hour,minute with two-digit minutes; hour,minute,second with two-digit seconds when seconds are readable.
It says 11,48
